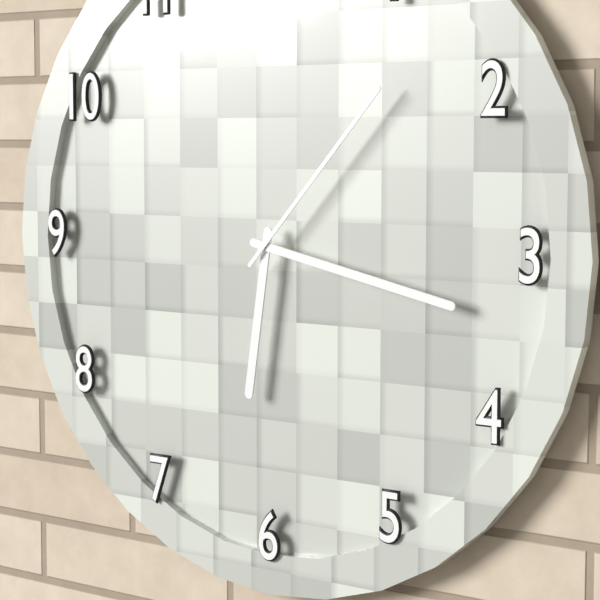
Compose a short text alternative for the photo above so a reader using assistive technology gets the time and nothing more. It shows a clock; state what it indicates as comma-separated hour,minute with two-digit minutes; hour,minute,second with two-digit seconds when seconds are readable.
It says 6,17,07
